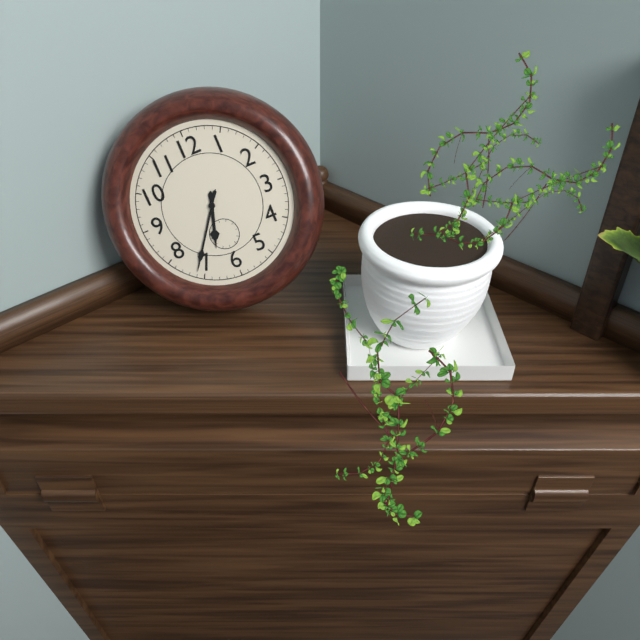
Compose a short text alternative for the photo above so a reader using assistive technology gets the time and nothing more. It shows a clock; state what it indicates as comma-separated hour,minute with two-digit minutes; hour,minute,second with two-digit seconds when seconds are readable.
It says 6,36
